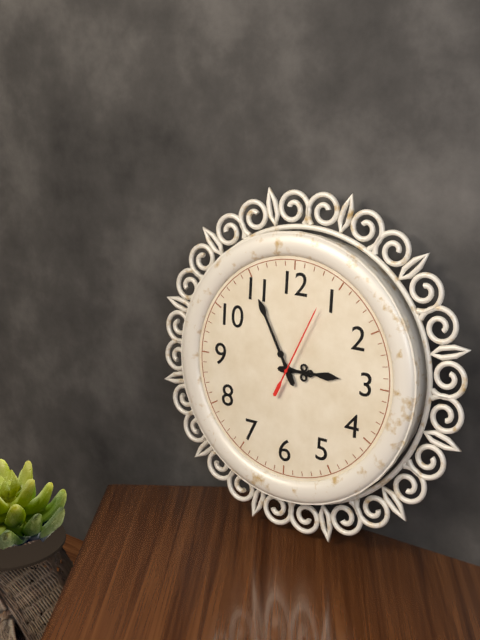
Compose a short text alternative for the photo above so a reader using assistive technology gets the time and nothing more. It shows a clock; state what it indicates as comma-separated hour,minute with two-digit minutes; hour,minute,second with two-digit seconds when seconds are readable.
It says 2,55,04
